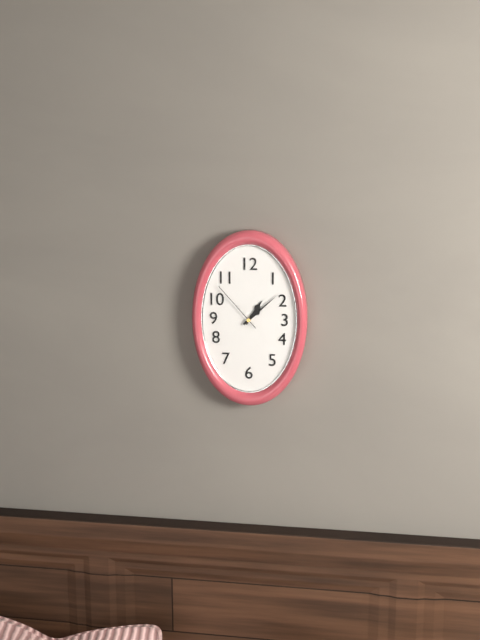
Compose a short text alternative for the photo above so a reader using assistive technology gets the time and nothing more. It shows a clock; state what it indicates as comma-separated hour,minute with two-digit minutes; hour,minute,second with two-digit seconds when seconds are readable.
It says 1,08,53
